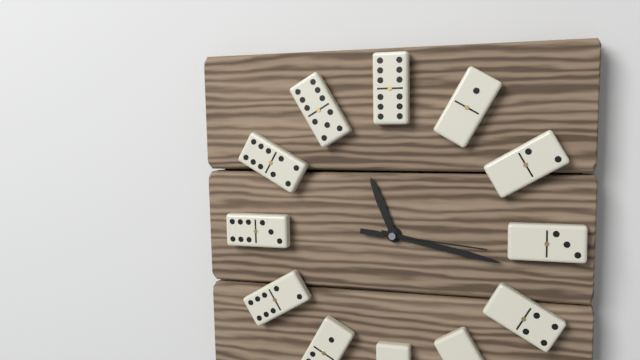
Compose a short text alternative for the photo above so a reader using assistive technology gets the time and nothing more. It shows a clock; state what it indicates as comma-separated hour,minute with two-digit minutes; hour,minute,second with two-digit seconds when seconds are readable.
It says 11,17,16
